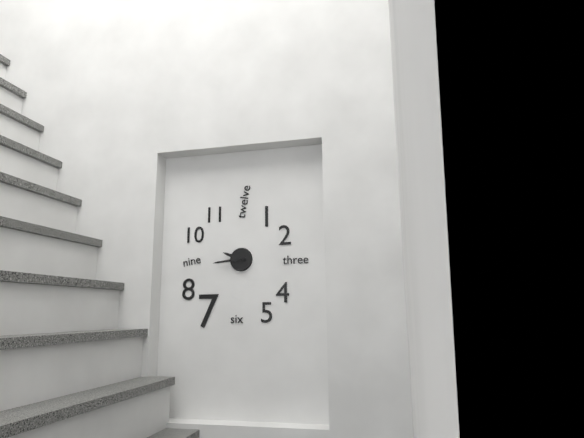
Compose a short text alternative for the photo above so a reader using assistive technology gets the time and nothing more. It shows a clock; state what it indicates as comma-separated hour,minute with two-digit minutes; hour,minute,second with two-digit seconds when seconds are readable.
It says 9,44
